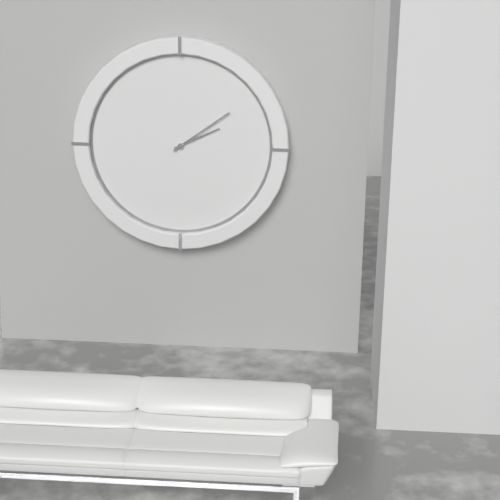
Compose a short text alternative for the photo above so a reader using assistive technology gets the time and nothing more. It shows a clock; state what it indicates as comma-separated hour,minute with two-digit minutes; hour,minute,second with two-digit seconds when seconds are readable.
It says 2,09
